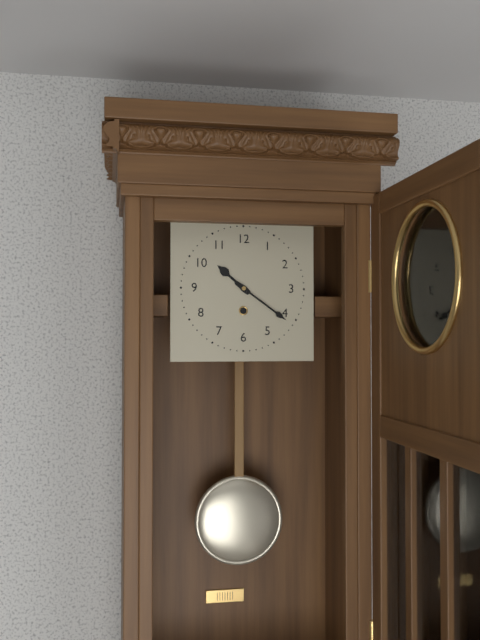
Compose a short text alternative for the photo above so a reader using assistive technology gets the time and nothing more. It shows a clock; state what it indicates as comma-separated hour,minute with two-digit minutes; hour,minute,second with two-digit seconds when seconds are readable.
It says 10,21
